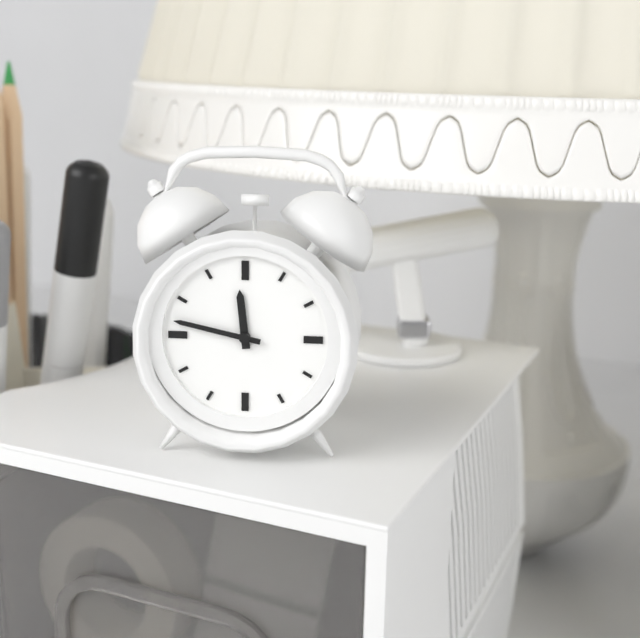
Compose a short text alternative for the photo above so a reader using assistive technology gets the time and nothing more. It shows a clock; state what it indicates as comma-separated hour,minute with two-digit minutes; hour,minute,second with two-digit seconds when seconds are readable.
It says 11,47
